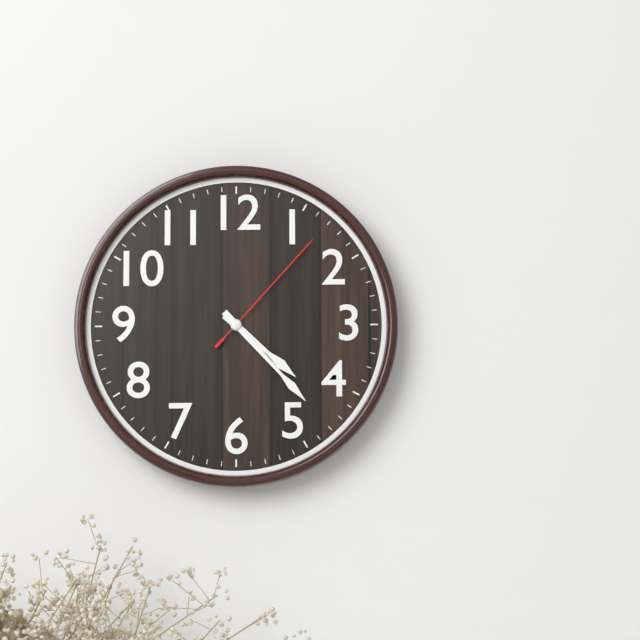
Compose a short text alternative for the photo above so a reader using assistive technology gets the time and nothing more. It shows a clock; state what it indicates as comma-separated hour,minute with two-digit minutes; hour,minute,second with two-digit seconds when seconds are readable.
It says 4,23,07
